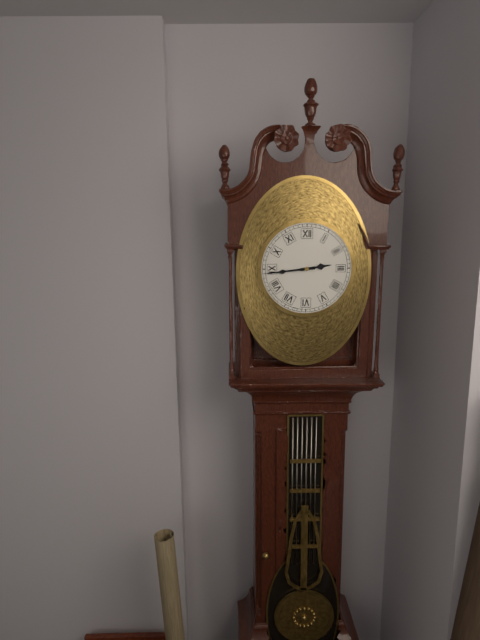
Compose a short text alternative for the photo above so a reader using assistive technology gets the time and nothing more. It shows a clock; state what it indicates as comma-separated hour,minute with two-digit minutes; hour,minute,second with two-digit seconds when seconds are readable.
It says 2,44
